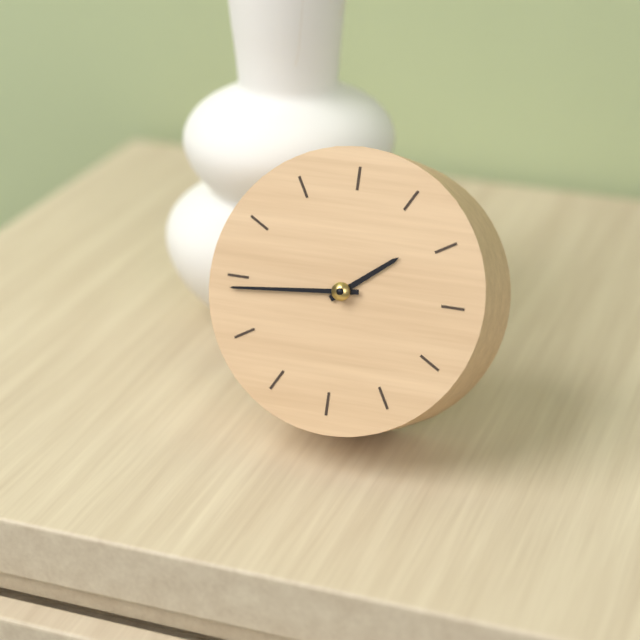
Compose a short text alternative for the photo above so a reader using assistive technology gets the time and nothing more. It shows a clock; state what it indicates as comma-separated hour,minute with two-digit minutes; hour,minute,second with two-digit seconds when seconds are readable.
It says 1,44
